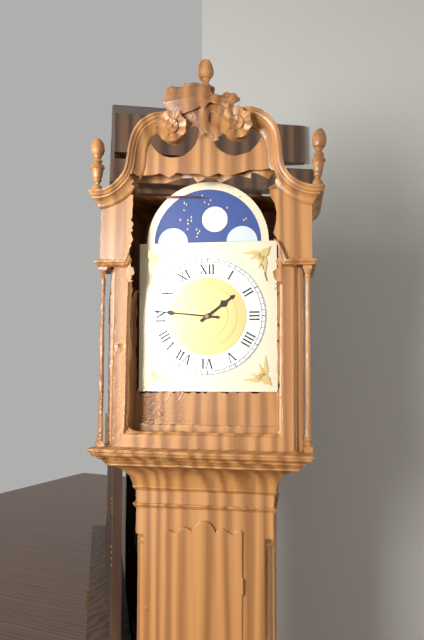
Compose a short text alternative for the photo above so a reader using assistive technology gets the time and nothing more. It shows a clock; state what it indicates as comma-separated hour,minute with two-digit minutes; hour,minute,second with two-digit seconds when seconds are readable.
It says 1,46
